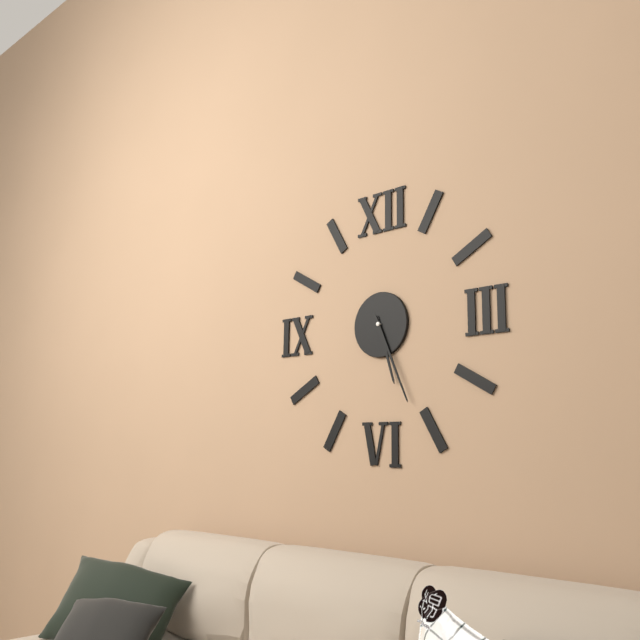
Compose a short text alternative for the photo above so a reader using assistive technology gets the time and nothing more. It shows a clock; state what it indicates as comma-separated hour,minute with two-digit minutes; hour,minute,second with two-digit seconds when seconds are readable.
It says 5,26
